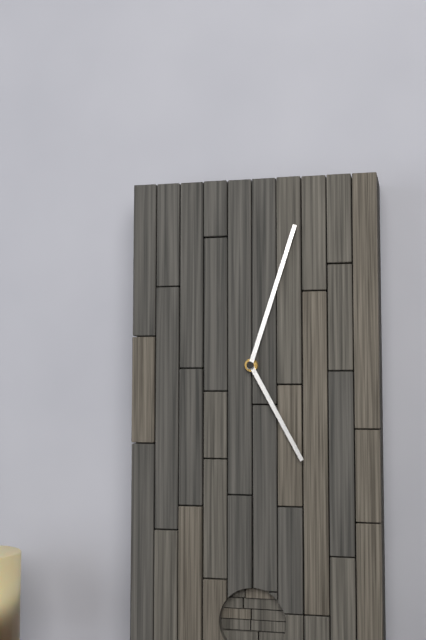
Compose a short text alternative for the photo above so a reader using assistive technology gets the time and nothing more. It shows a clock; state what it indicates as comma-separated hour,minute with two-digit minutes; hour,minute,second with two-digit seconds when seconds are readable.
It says 5,03
